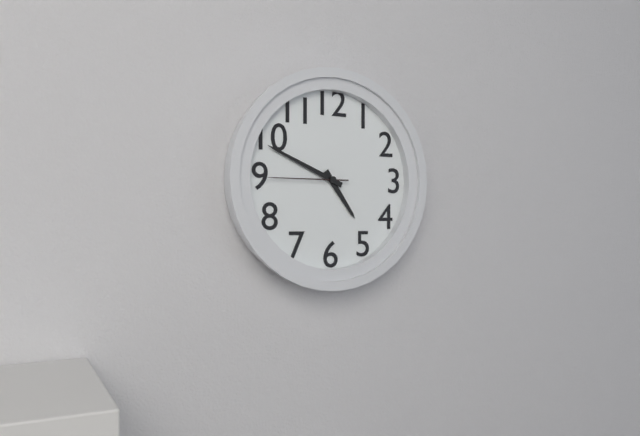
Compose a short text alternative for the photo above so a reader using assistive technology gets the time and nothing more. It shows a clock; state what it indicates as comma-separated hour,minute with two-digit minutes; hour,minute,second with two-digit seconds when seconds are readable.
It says 4,49,45
